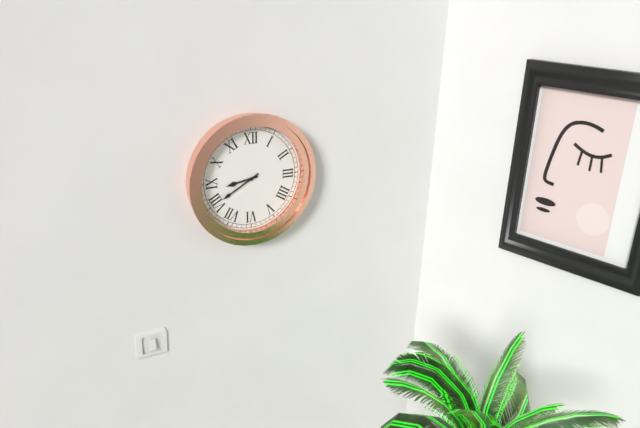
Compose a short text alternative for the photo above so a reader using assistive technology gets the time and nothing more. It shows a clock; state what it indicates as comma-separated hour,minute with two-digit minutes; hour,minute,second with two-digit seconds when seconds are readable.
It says 8,40
